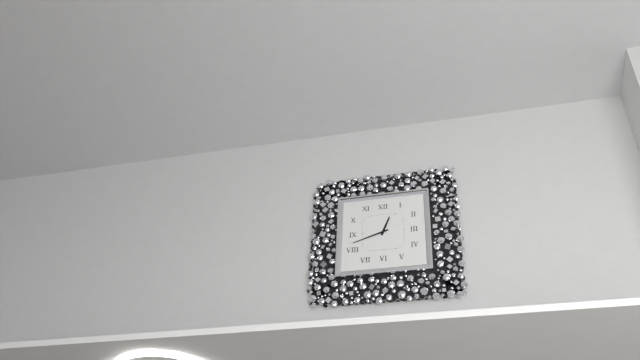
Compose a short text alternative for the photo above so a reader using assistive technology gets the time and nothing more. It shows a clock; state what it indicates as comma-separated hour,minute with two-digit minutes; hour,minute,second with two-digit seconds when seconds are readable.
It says 12,42
